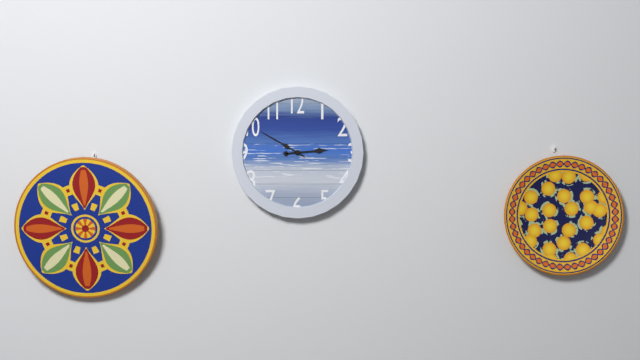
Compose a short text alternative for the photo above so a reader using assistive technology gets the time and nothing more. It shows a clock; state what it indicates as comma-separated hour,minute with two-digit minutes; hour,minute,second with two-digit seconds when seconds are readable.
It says 2,50
